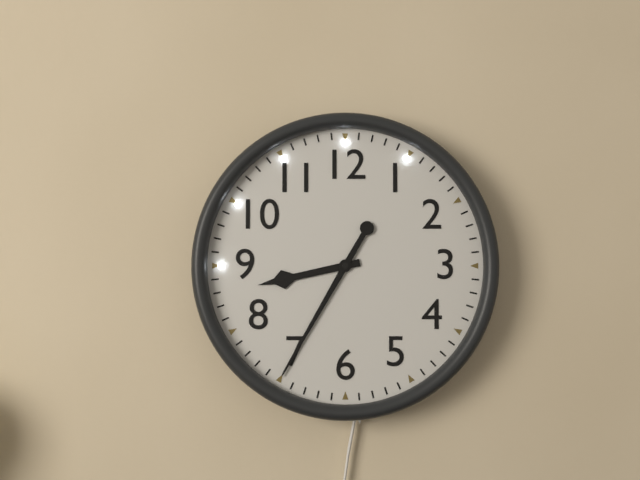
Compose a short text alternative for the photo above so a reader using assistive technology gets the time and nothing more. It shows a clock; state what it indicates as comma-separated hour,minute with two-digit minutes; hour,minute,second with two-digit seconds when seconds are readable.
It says 8,35
